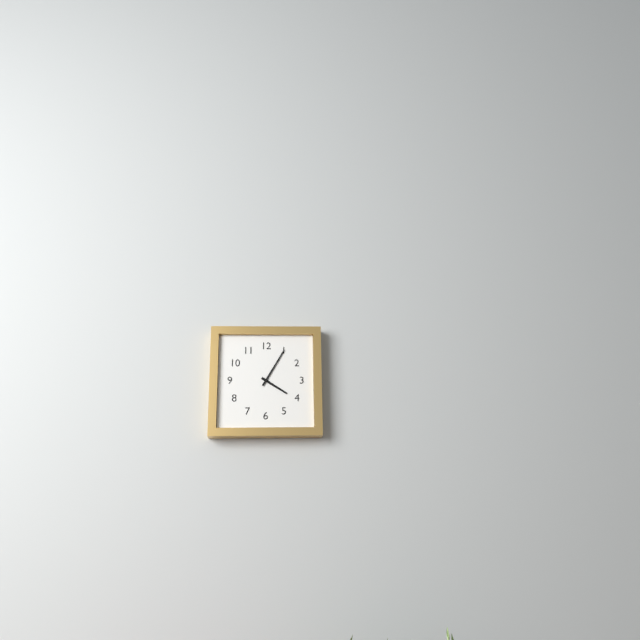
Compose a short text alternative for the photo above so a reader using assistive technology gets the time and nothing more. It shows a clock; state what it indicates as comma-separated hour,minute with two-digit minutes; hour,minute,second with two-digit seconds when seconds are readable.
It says 4,05
